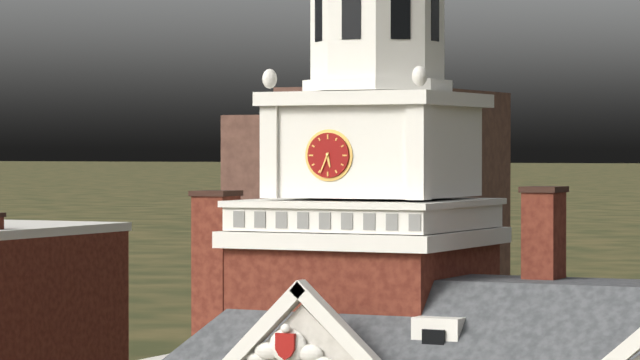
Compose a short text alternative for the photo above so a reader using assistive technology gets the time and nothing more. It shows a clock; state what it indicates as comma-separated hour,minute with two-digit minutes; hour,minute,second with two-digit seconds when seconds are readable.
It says 5,34
